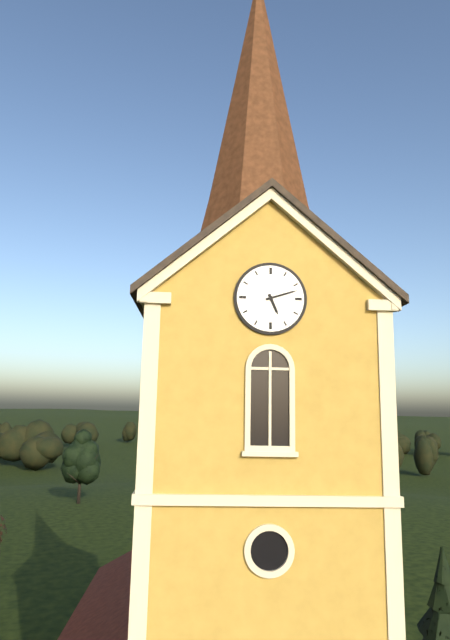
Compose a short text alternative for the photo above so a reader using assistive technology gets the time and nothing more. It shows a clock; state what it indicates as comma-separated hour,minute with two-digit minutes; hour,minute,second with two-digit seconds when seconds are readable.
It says 5,12
